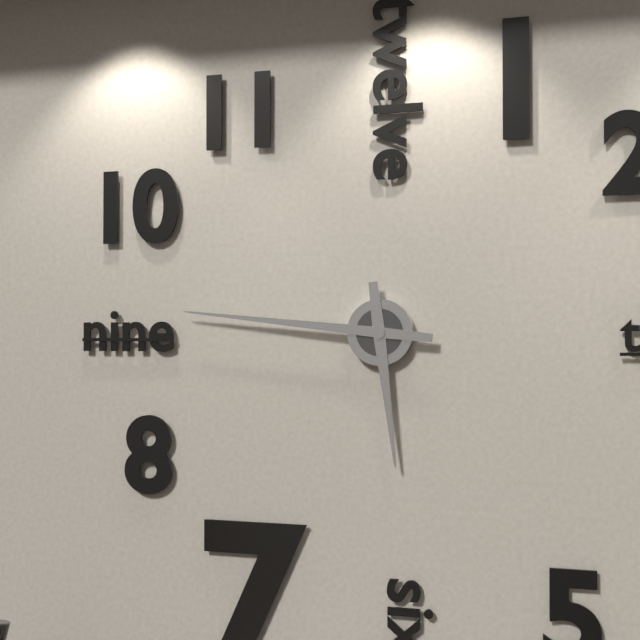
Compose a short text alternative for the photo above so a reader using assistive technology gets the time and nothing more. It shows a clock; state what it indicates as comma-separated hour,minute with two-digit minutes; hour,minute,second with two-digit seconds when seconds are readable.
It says 5,46
